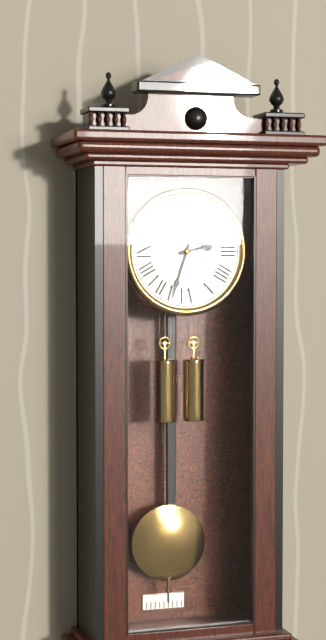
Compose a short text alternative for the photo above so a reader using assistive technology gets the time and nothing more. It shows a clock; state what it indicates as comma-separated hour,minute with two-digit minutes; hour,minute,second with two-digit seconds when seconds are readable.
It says 2,33
